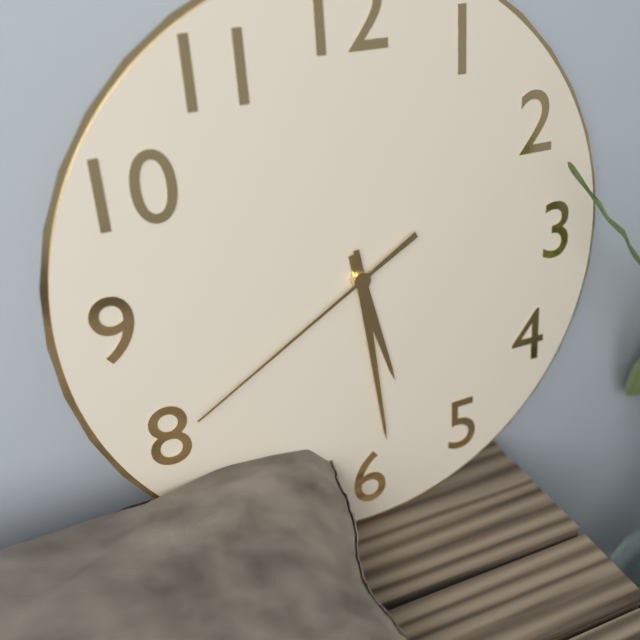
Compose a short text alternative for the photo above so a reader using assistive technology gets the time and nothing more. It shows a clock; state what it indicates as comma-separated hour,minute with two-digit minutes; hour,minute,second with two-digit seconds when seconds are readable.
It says 5,29,40
